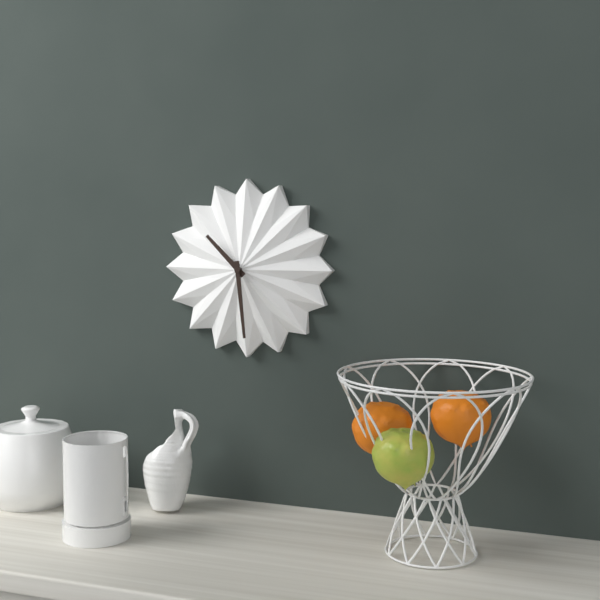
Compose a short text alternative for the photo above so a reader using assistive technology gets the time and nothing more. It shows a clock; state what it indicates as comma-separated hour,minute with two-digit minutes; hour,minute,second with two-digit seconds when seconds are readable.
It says 10,29
